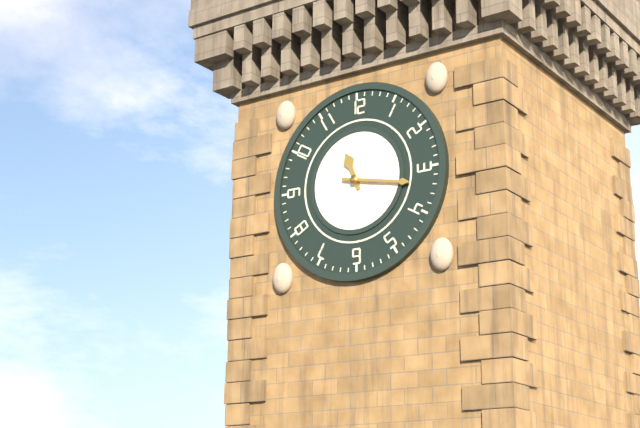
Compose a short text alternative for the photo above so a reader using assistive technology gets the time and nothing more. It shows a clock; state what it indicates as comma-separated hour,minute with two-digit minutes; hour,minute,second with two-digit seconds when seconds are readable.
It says 11,17
